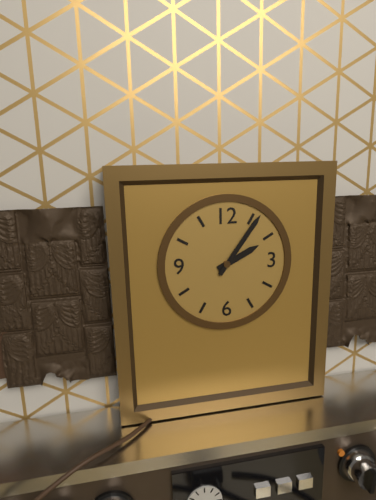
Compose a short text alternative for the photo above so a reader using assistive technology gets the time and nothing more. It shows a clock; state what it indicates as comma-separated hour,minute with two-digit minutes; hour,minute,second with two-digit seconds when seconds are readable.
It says 2,06
